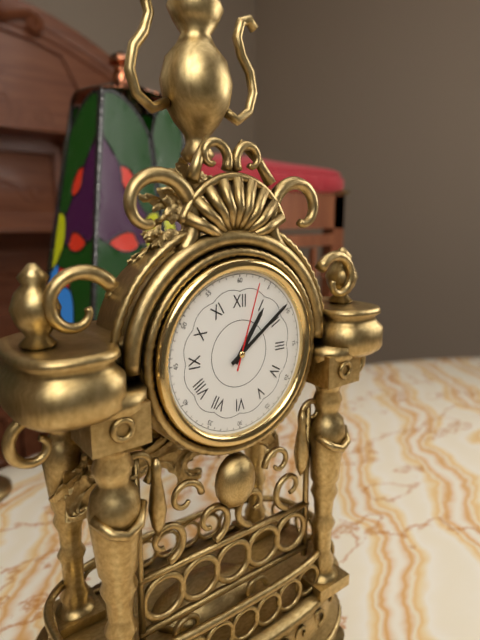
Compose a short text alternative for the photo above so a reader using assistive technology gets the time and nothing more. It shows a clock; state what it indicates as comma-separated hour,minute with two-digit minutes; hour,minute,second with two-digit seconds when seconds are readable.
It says 1,09,03
